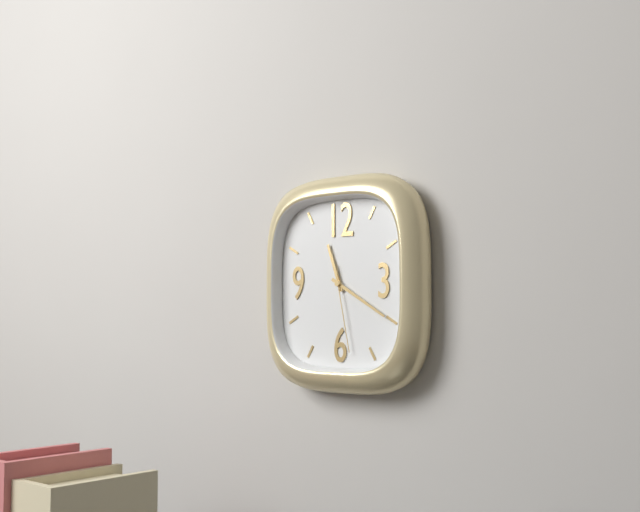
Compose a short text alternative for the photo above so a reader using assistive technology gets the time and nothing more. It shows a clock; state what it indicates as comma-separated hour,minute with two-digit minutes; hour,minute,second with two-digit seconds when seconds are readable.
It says 11,20,28
